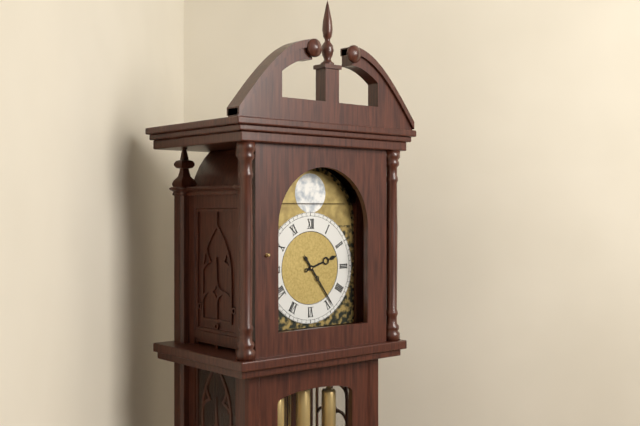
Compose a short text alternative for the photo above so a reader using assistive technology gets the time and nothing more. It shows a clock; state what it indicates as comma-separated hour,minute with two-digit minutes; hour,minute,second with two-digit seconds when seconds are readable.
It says 2,24
